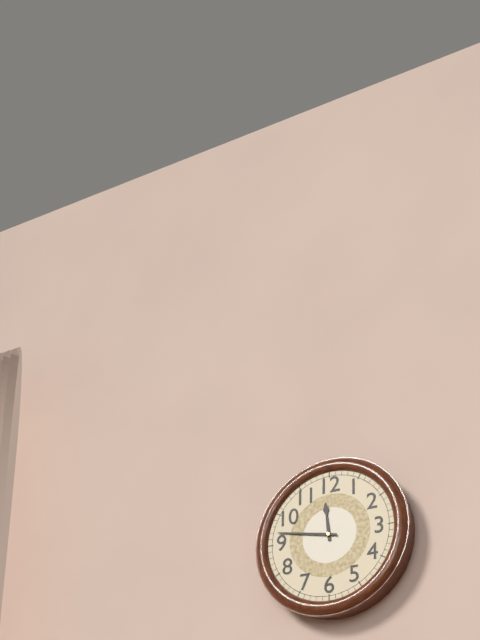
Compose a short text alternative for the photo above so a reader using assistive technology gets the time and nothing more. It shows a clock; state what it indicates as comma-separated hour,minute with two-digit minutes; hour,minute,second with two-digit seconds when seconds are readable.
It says 11,47
